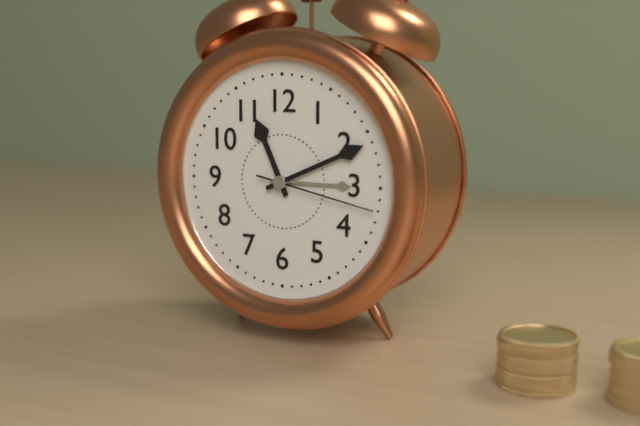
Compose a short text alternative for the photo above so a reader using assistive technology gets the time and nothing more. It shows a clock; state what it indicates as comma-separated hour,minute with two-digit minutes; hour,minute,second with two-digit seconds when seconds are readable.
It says 11,11,17
